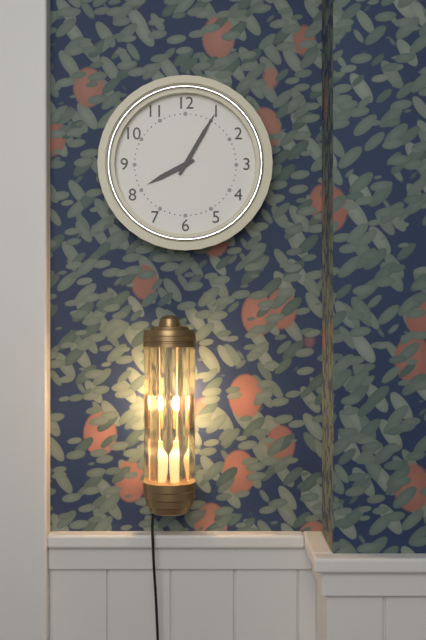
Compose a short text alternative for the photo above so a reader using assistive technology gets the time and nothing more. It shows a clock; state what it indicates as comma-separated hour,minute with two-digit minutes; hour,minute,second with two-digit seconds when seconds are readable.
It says 8,05
